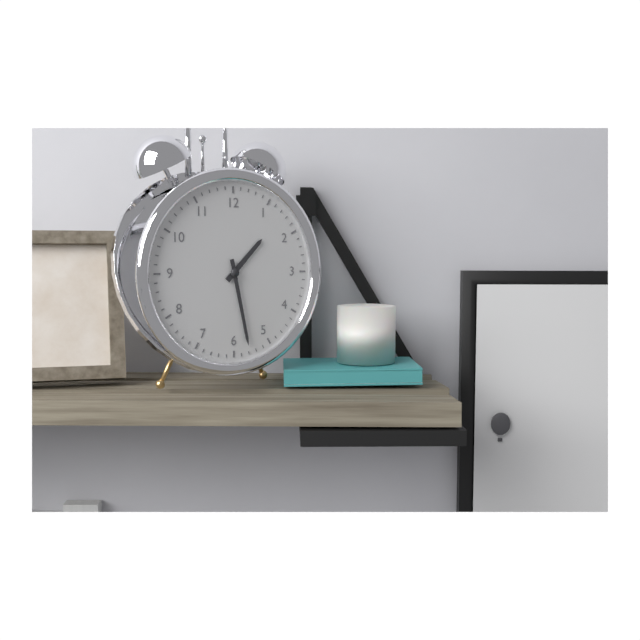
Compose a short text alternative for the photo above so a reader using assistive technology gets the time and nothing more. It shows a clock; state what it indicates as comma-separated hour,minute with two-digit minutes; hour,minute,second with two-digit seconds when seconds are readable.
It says 1,28
